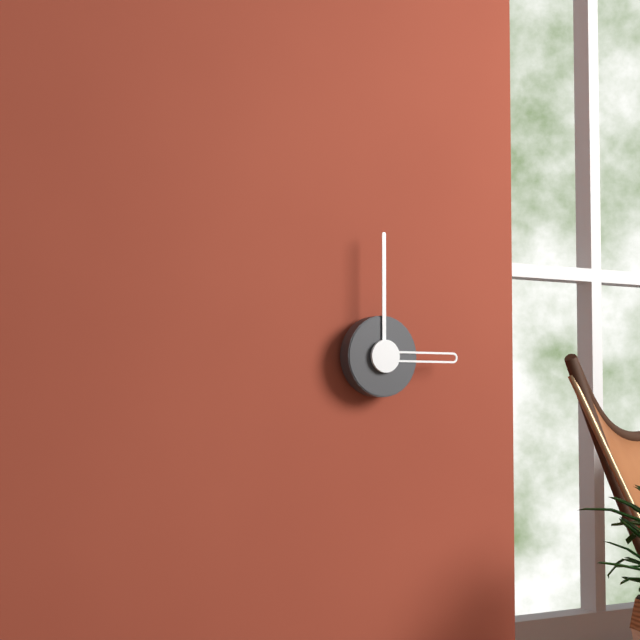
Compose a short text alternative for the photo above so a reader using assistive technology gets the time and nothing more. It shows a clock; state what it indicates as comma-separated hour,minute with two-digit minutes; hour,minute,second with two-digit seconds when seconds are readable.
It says 3,00
